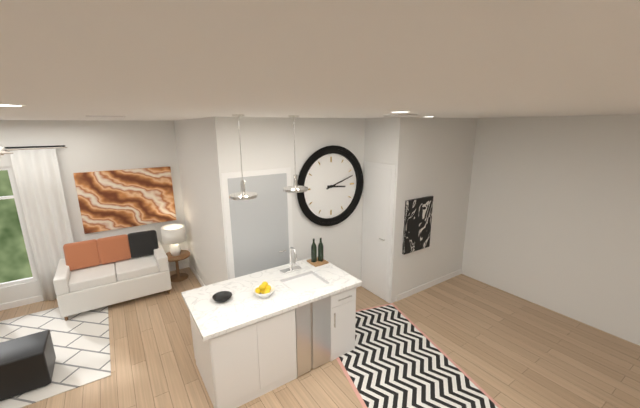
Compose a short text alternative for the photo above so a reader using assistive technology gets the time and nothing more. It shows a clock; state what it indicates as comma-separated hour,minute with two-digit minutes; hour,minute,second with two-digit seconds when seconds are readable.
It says 3,12
